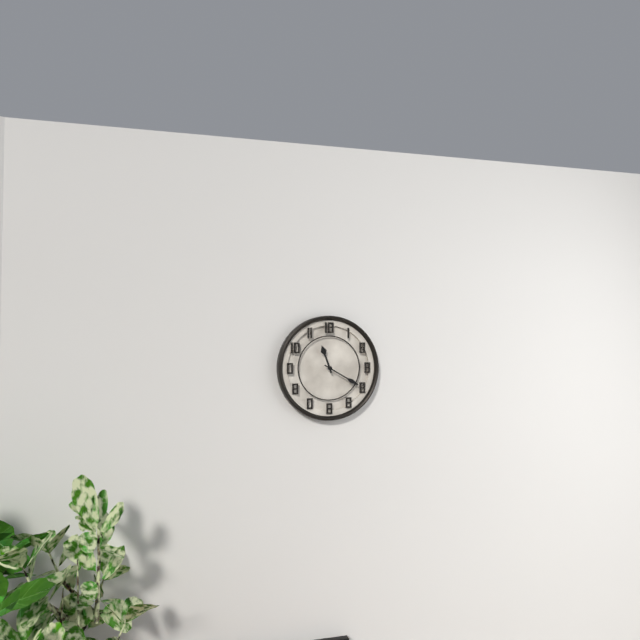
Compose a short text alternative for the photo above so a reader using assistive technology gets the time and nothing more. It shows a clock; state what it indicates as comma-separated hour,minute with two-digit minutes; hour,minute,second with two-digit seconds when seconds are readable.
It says 11,20
